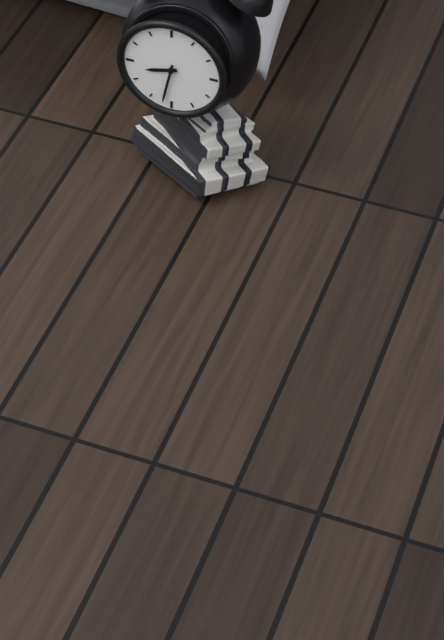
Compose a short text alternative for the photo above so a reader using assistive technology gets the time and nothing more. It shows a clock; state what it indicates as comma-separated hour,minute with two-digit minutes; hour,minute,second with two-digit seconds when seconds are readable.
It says 8,32
